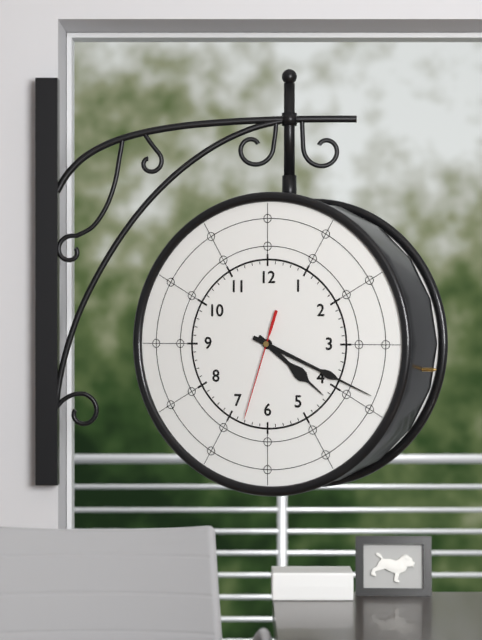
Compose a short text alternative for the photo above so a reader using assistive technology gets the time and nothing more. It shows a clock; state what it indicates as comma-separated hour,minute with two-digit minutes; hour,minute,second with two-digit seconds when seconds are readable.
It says 4,19,33
